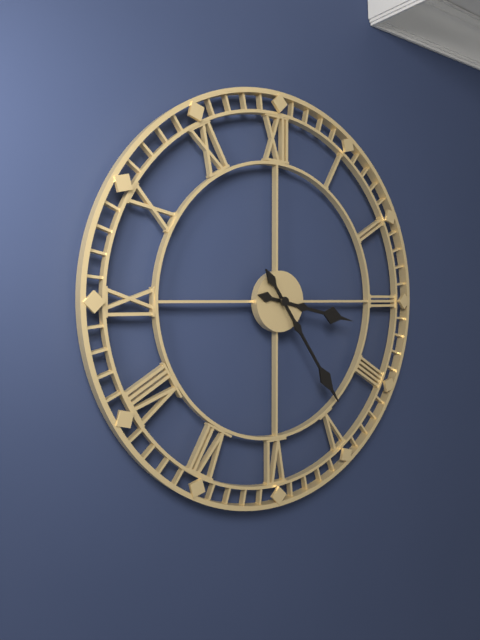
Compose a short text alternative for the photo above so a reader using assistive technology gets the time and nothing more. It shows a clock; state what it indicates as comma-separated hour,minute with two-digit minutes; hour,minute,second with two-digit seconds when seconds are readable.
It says 3,24
